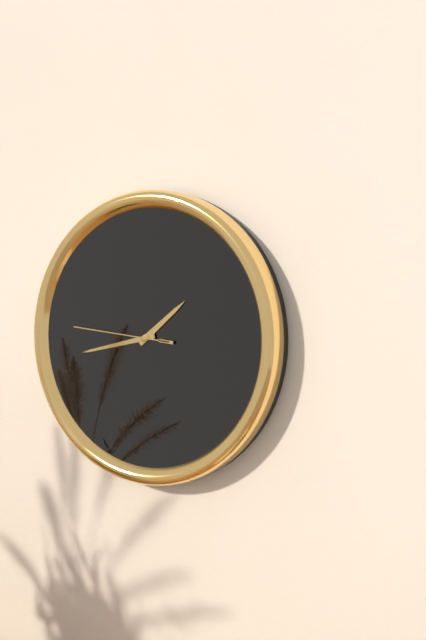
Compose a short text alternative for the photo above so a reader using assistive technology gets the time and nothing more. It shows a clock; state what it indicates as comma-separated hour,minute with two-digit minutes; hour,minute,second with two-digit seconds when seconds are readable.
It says 1,43,46
